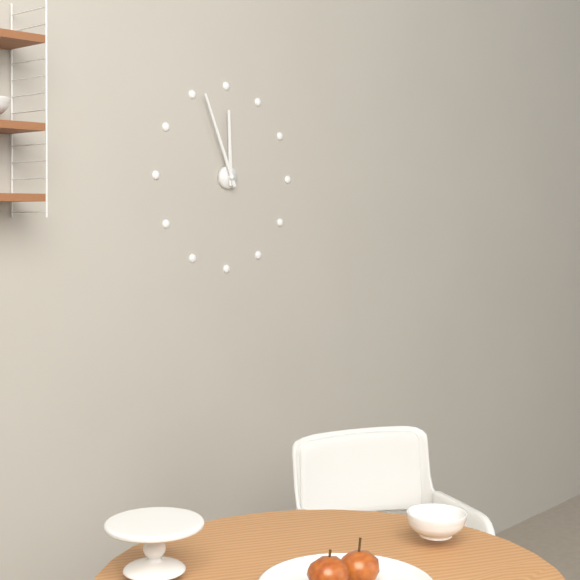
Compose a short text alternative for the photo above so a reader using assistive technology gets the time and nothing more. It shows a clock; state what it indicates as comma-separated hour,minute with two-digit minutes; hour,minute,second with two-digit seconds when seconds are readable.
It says 11,56
